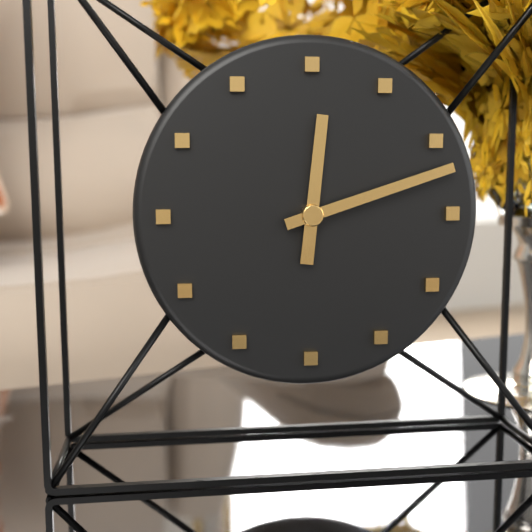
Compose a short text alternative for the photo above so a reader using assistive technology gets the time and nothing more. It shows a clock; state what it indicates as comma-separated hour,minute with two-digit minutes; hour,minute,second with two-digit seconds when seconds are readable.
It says 12,12
